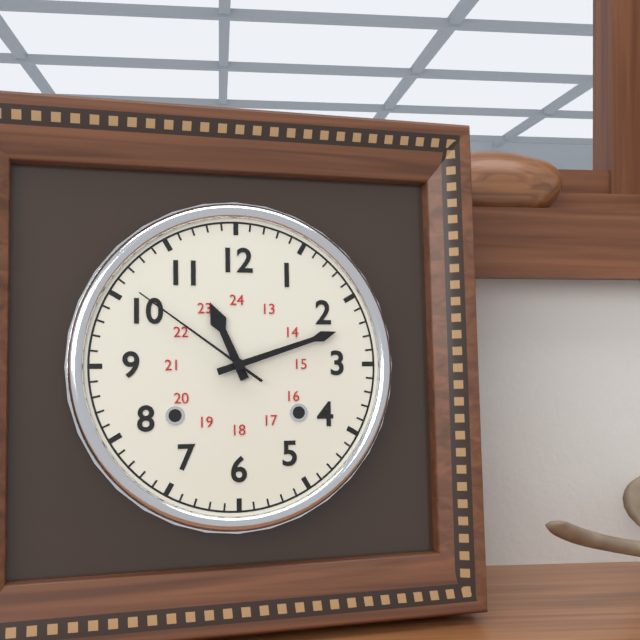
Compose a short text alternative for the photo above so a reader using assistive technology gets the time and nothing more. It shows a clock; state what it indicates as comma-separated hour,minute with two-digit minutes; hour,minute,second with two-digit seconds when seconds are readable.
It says 11,12,51
